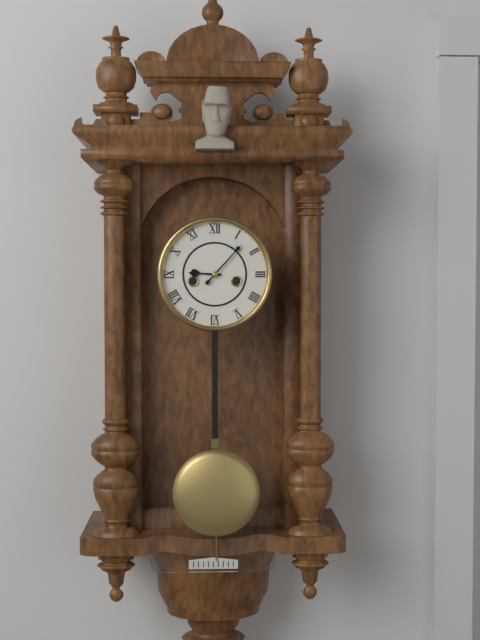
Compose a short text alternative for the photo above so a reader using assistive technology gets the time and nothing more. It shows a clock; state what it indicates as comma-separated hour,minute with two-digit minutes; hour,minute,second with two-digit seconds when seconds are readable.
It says 9,07
